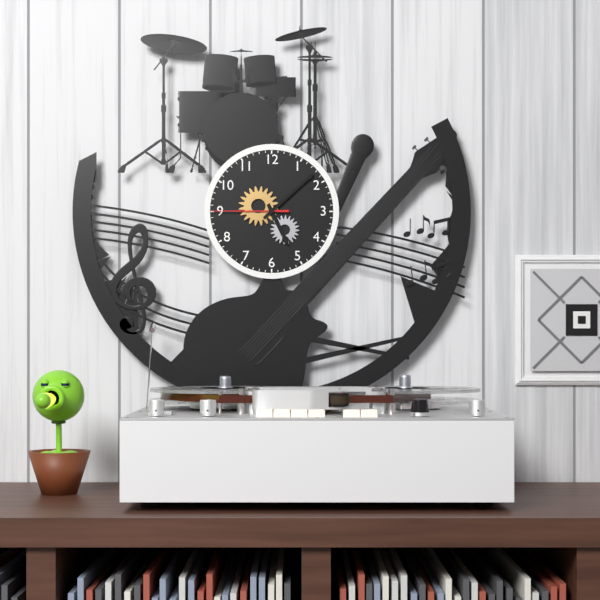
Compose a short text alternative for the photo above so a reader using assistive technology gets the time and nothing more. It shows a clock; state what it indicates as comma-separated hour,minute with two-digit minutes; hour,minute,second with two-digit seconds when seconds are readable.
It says 5,08,45
